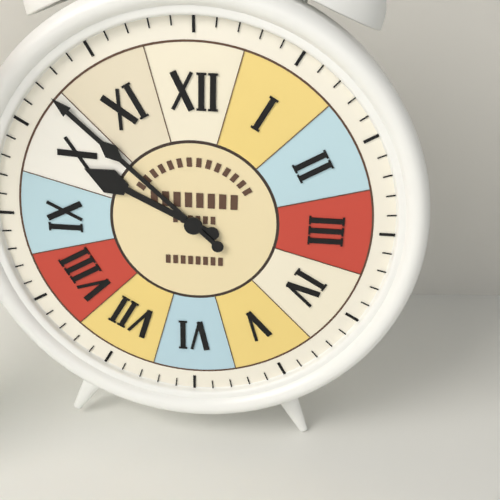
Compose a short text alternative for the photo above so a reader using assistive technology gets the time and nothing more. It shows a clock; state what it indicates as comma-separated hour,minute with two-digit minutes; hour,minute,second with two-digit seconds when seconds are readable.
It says 9,52
